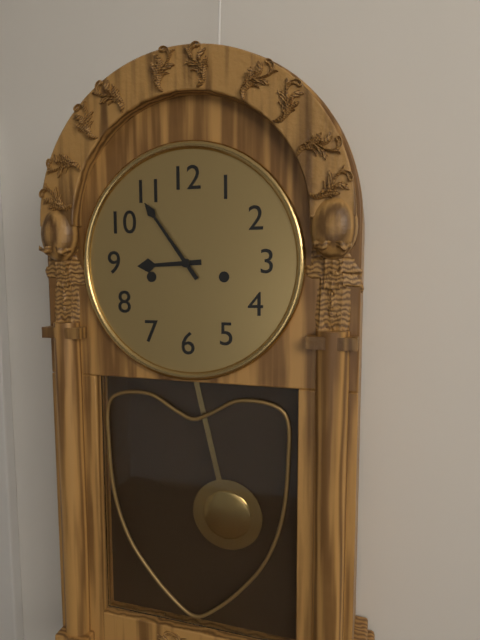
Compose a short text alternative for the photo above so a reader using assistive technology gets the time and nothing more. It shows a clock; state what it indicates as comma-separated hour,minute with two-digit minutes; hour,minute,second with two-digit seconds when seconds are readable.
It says 8,54
